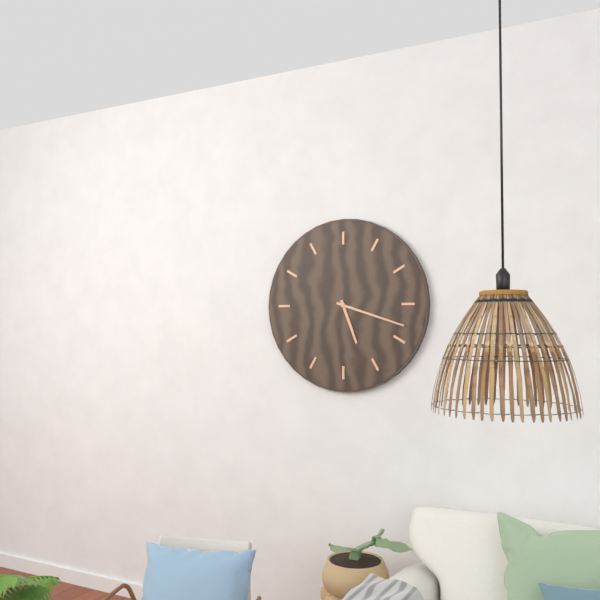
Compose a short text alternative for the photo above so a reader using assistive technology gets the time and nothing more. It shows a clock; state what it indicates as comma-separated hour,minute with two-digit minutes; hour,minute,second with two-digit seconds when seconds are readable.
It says 5,18
